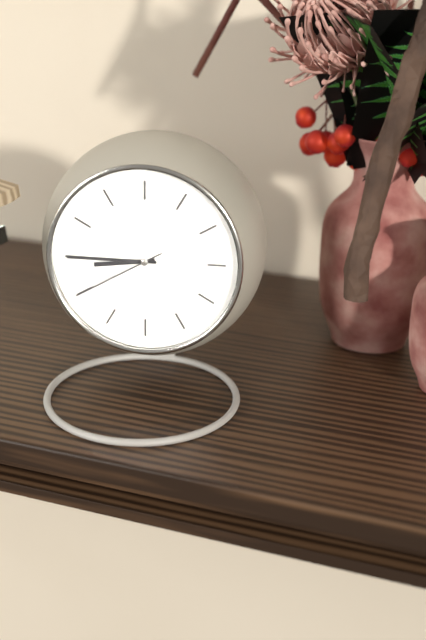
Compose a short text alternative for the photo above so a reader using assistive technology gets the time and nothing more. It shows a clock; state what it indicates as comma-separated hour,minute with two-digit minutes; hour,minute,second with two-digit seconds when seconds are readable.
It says 8,45,40
